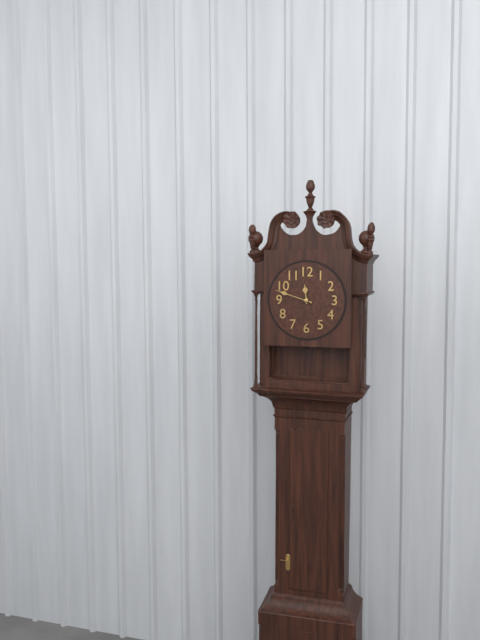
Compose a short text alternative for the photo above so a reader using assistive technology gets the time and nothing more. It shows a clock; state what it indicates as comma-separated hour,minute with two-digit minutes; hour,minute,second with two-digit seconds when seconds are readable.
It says 11,48
